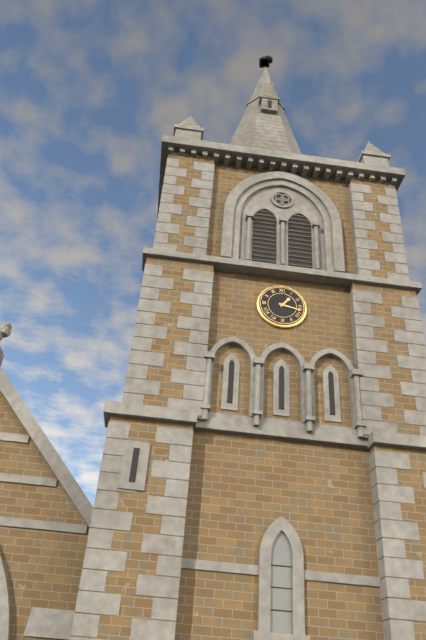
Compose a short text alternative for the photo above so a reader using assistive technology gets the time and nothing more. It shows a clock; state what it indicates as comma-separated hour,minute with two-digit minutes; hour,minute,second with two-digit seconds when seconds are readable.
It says 1,17
